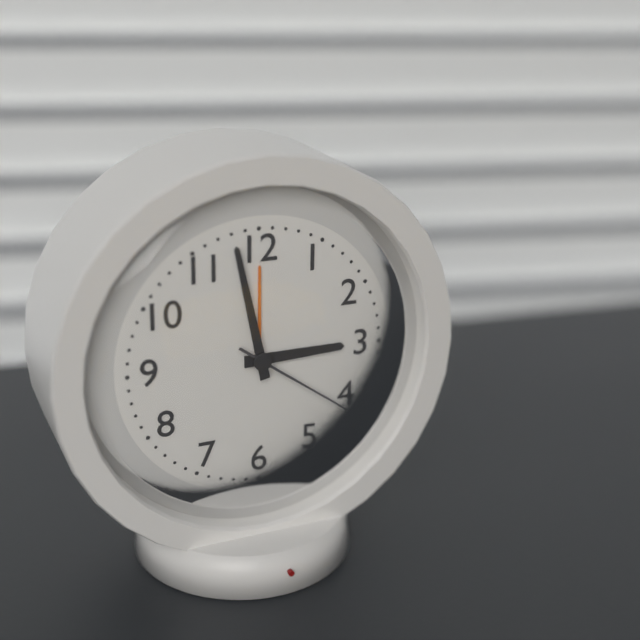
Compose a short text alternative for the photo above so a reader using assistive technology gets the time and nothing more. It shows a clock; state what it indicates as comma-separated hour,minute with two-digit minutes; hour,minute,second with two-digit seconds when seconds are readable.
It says 2,58,21
